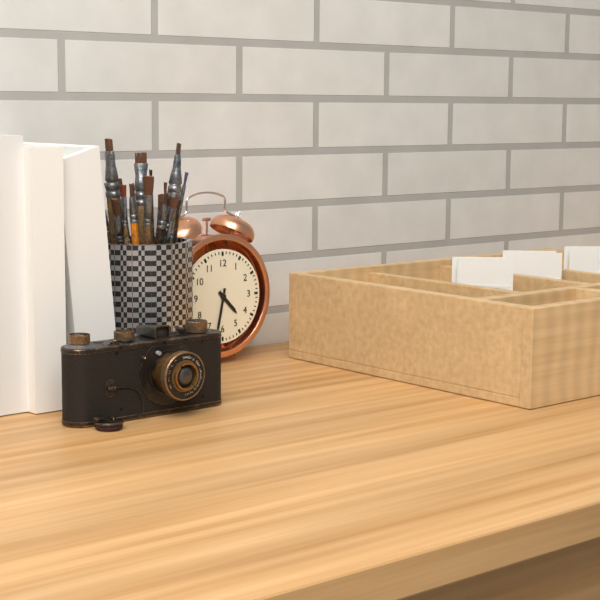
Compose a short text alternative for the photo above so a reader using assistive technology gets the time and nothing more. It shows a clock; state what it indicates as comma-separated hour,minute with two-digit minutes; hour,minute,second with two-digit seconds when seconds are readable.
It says 4,32
